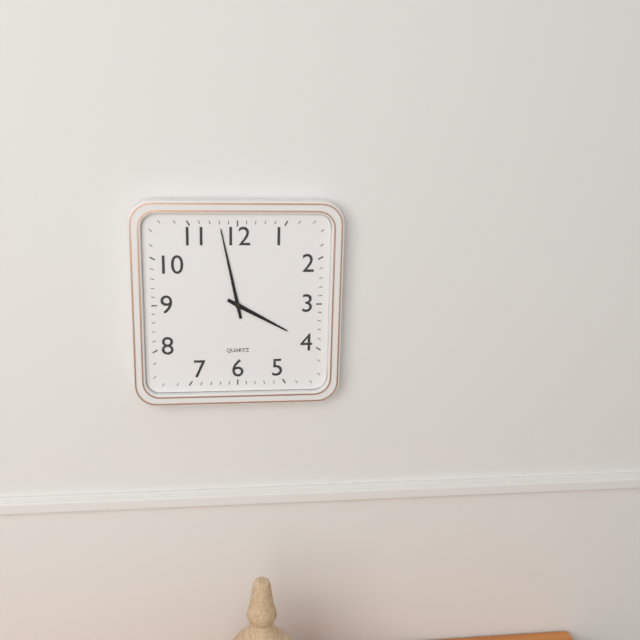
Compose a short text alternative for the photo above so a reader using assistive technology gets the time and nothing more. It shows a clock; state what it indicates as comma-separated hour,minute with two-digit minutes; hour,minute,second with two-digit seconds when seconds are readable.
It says 3,58
